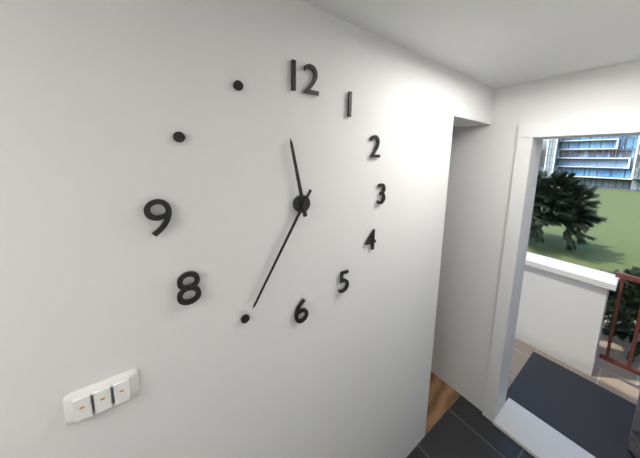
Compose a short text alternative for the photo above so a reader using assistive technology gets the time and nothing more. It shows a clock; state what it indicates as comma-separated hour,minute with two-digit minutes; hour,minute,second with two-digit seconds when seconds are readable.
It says 11,35
